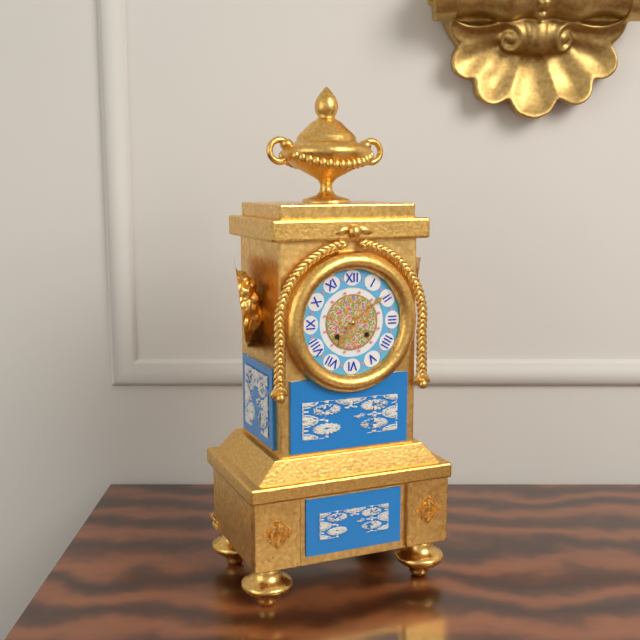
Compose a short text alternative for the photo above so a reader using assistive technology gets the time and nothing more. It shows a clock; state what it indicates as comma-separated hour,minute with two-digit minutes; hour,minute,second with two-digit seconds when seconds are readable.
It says 7,09
